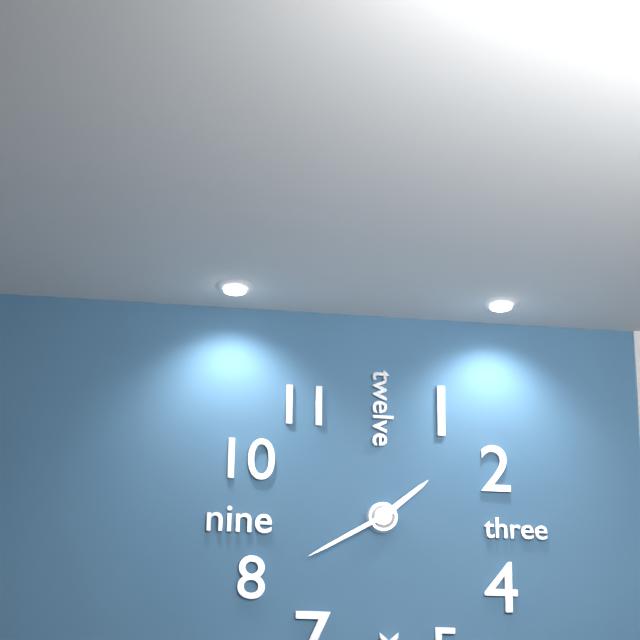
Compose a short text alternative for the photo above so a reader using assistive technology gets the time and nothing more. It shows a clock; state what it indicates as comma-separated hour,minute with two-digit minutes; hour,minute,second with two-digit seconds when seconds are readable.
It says 1,40
